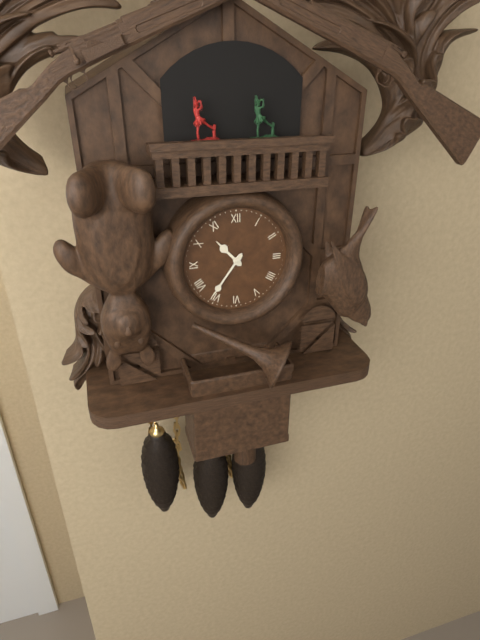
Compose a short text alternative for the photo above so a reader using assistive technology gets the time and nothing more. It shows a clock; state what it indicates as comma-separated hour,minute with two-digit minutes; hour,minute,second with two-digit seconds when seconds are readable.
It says 10,36
